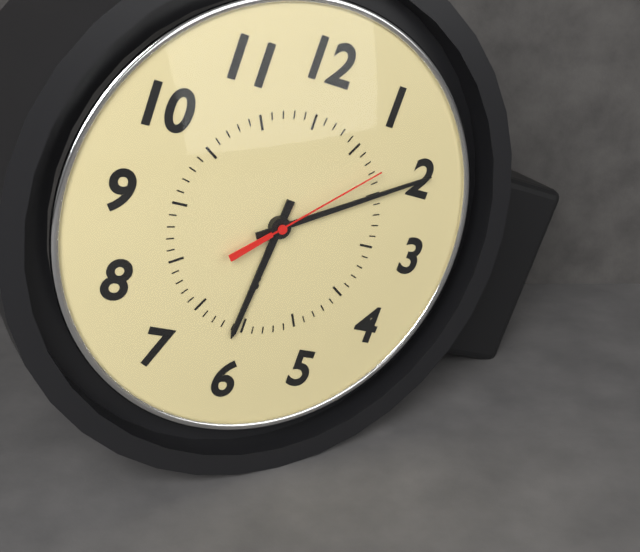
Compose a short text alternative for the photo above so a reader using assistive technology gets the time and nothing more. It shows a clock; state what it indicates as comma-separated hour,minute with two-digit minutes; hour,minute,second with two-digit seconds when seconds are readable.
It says 6,10,08
